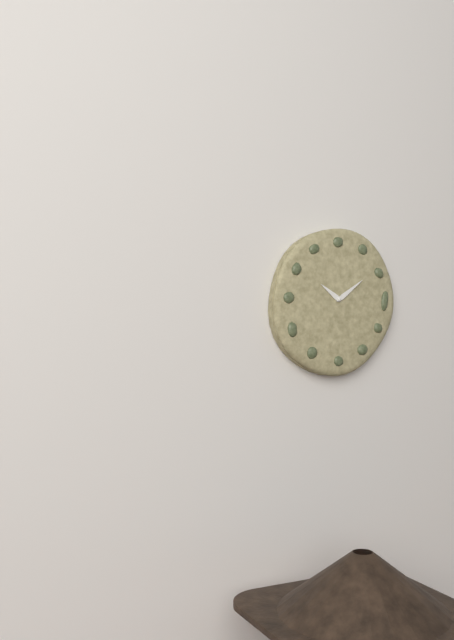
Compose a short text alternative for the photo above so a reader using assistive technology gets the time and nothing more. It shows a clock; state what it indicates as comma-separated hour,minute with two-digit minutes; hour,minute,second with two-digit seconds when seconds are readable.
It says 10,09
